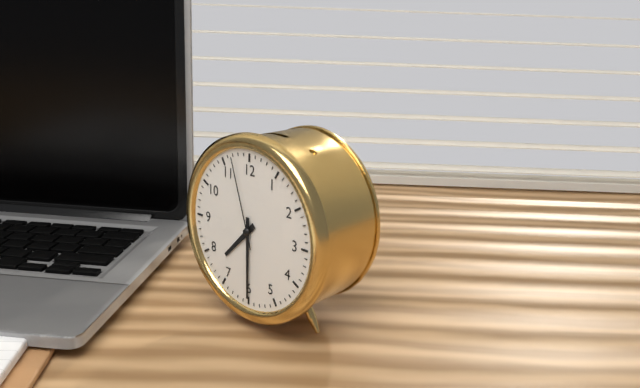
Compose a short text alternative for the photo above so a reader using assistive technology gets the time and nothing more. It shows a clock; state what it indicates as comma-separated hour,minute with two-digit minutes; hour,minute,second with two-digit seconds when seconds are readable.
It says 7,30,57
